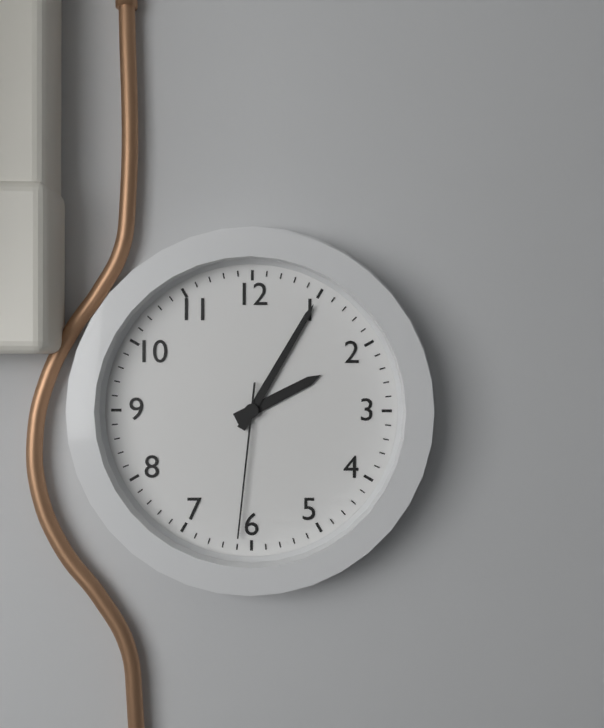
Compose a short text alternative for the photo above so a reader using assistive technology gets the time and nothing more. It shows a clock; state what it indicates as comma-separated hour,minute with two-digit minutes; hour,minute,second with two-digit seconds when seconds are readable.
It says 2,05,31
